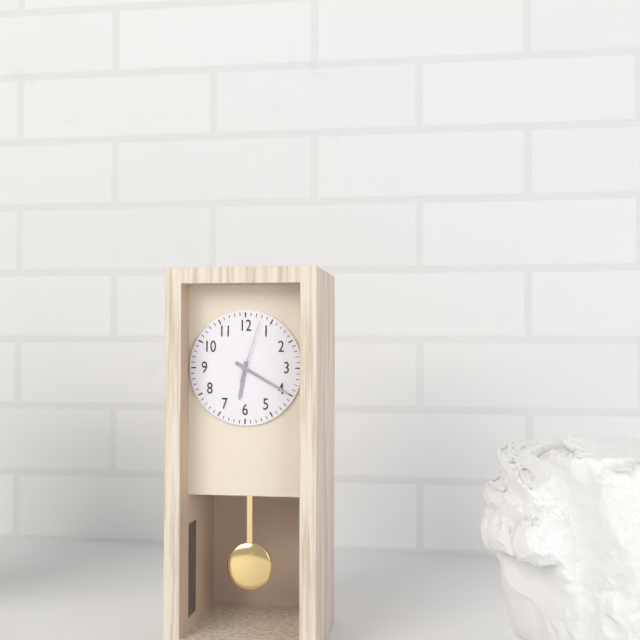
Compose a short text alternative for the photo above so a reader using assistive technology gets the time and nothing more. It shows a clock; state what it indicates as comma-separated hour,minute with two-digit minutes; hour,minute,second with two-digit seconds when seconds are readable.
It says 6,20,03
